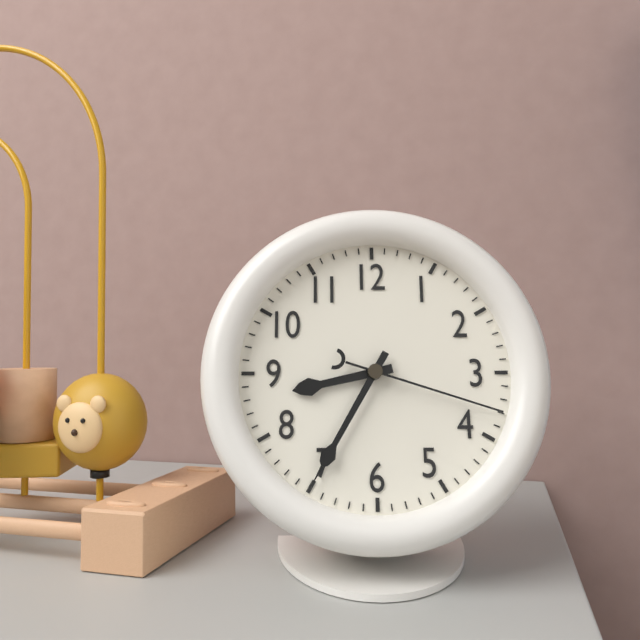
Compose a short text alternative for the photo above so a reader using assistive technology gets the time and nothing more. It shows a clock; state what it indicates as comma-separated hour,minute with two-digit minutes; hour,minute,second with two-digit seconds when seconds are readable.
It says 8,35,18
